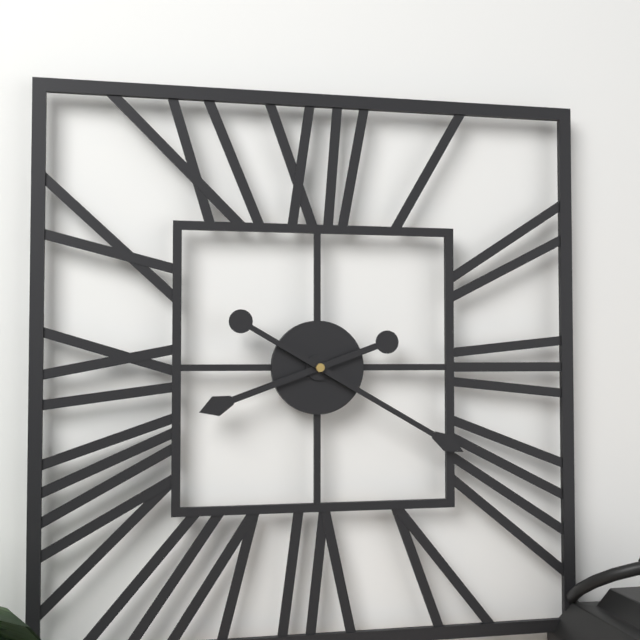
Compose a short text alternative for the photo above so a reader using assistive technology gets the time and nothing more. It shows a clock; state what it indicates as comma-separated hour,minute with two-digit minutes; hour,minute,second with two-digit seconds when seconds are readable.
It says 8,20
